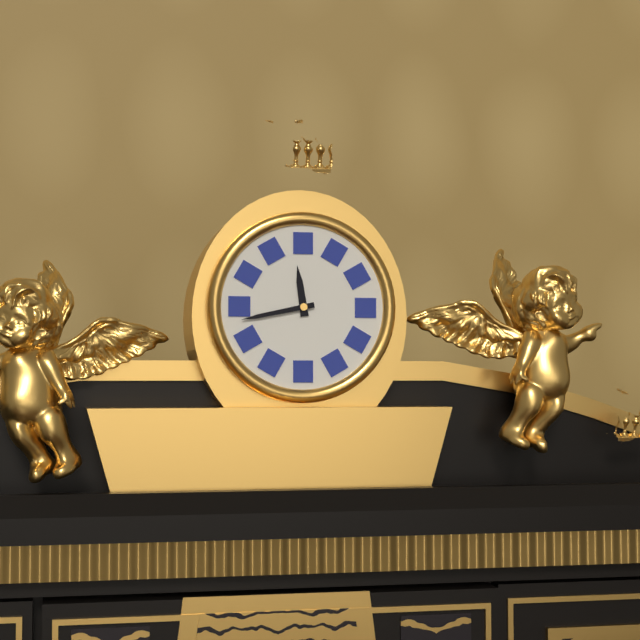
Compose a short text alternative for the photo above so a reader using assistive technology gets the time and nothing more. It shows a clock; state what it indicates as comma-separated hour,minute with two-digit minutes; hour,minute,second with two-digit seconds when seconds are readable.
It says 11,43
